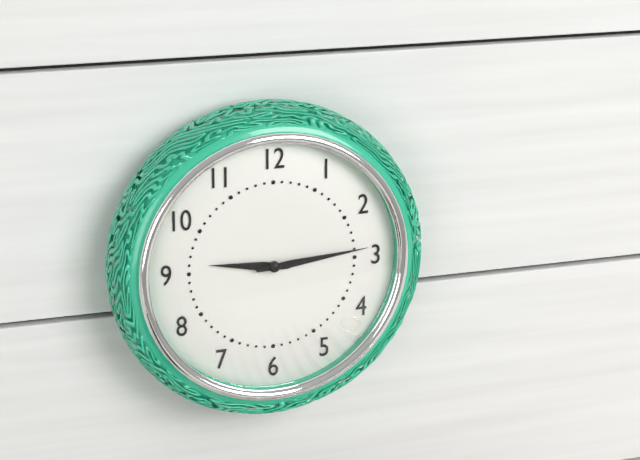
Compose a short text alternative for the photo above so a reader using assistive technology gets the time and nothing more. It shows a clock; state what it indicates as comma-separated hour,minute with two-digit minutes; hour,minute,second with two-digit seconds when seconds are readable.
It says 9,14
